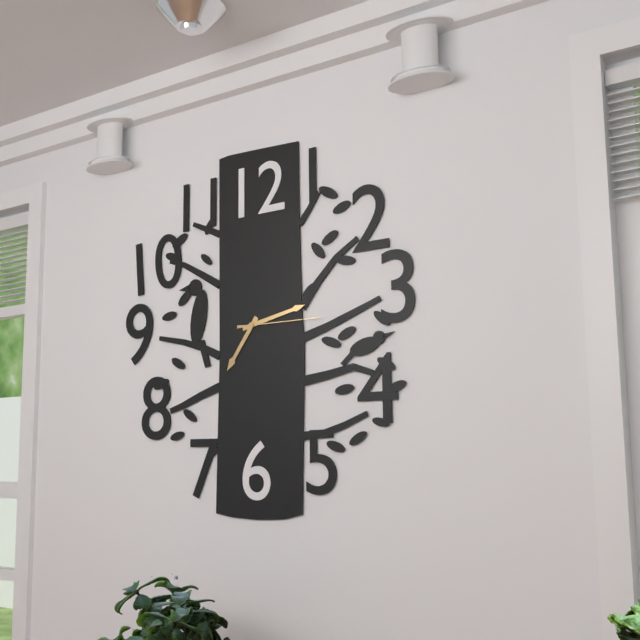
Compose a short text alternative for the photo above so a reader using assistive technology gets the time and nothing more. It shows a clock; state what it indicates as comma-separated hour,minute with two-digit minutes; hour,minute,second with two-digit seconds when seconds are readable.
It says 7,13,15
